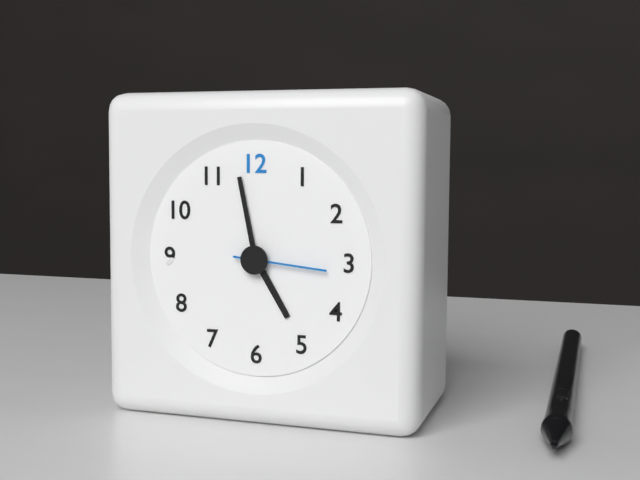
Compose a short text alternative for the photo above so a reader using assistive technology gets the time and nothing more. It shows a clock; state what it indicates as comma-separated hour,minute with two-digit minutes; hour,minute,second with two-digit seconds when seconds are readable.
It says 4,58,16
